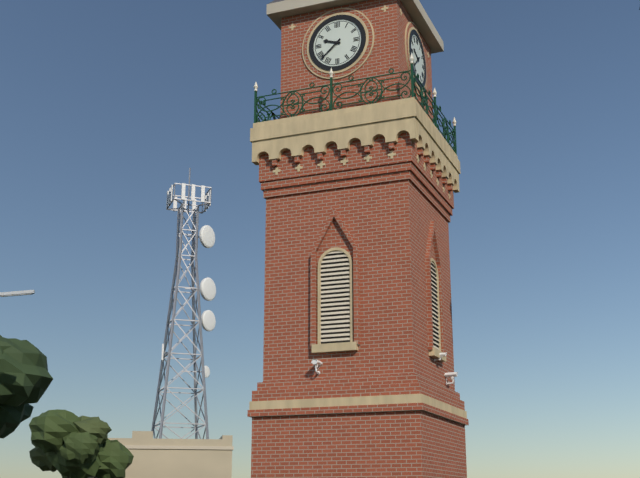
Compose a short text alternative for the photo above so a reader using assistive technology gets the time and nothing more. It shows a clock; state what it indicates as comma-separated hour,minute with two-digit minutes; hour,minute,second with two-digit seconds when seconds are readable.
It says 9,38
